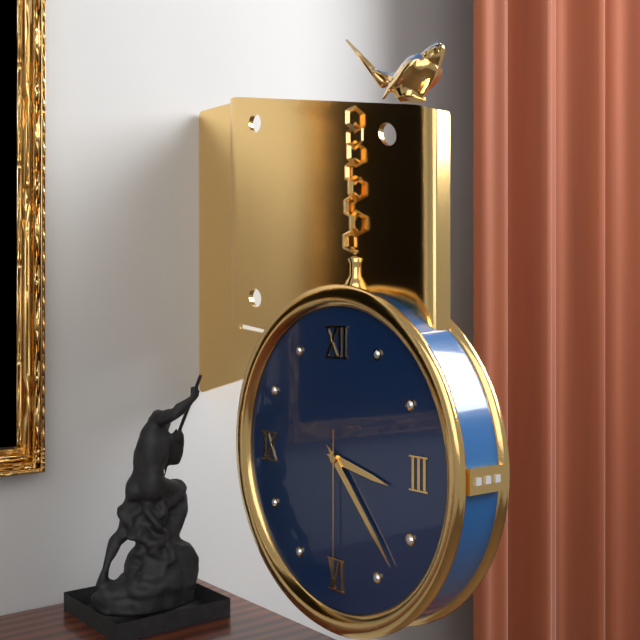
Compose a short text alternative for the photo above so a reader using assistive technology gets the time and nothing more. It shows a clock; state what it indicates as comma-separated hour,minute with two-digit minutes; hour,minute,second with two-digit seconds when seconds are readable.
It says 3,23,30
